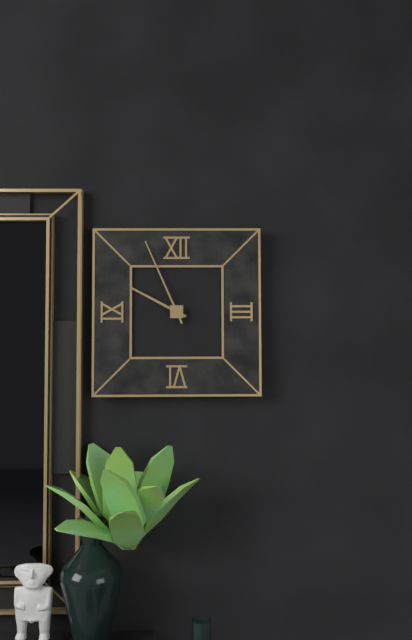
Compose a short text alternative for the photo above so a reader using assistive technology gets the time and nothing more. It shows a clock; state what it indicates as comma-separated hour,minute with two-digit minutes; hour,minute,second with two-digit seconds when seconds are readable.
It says 9,56
